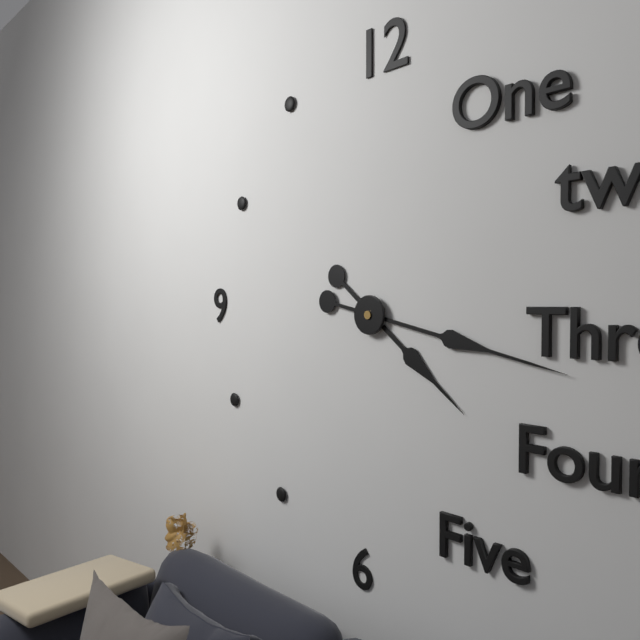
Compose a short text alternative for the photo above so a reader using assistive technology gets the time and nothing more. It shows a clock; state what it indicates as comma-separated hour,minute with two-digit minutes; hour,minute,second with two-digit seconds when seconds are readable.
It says 4,17
